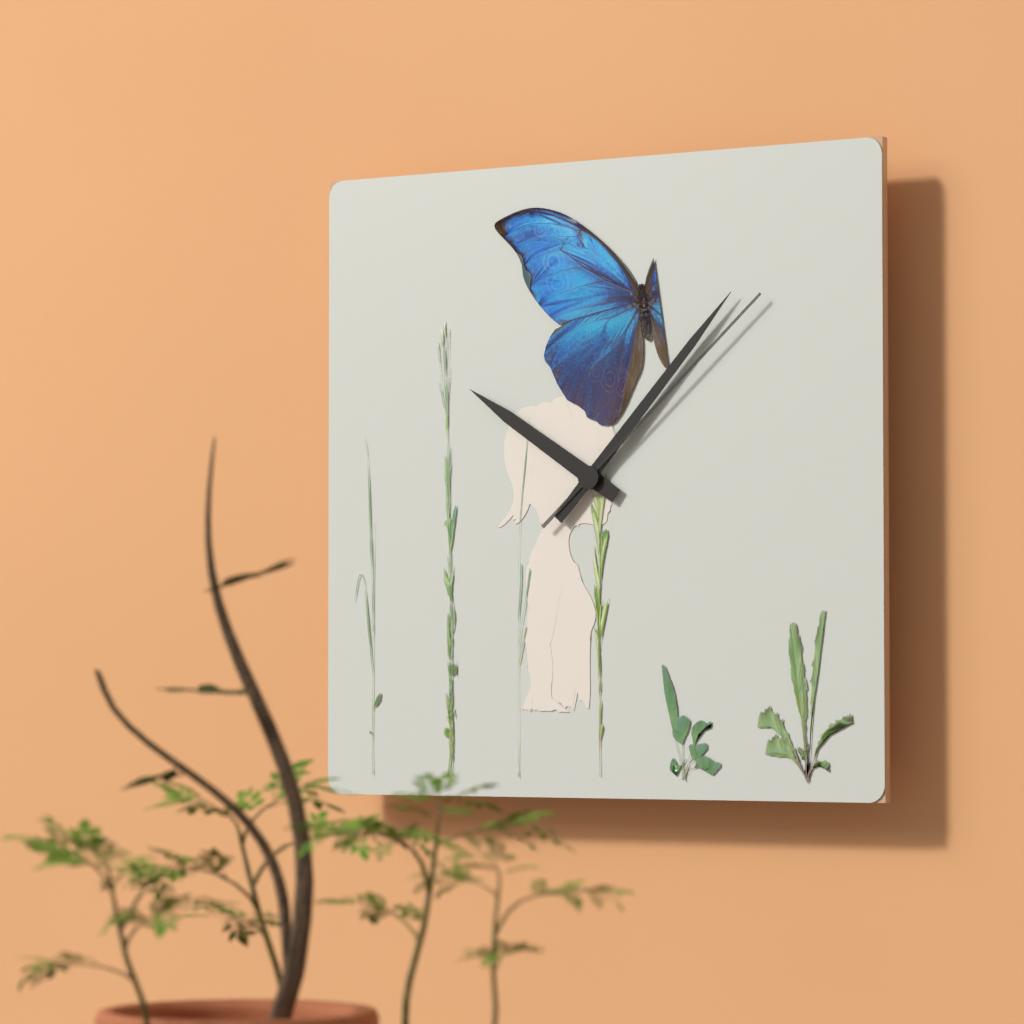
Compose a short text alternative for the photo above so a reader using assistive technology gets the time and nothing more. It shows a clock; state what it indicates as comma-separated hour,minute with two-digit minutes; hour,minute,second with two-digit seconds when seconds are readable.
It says 10,07,08
